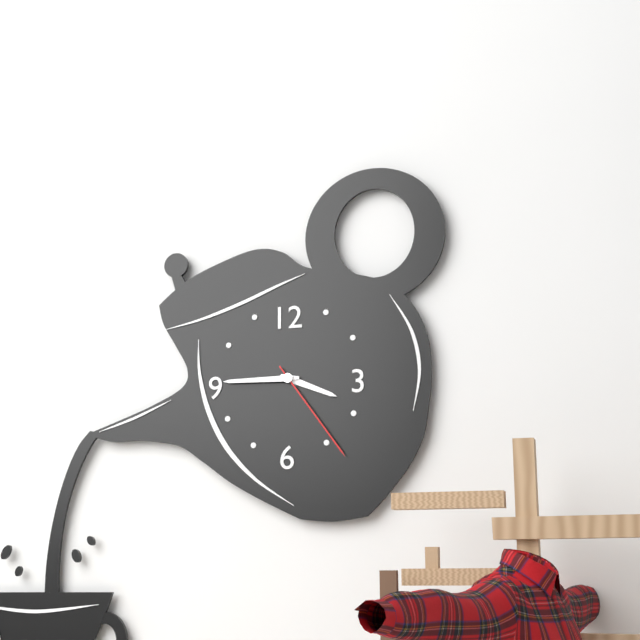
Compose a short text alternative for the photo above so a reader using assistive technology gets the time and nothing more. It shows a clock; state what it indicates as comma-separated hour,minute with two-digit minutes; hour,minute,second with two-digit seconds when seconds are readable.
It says 3,45,24
